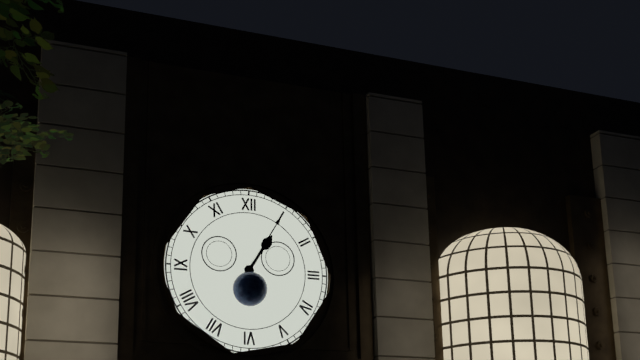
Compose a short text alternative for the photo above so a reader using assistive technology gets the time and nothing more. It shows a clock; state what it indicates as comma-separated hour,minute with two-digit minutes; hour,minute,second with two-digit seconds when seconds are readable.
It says 1,05
